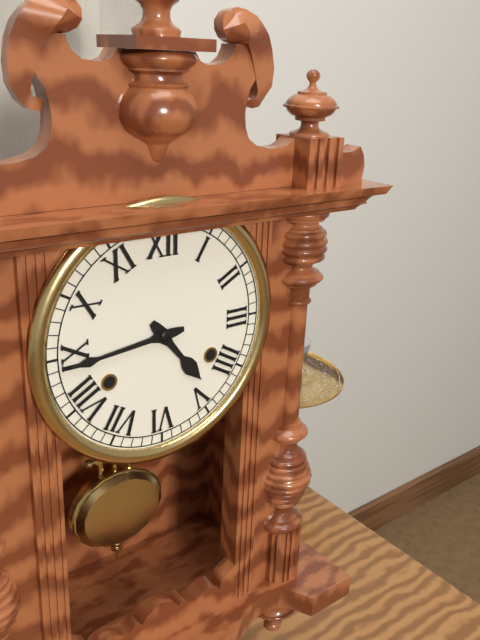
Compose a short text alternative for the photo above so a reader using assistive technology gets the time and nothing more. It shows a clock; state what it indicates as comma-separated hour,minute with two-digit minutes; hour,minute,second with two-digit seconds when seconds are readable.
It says 4,44
